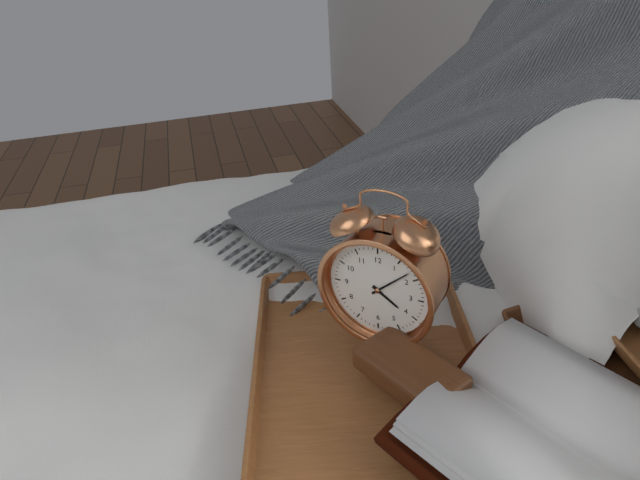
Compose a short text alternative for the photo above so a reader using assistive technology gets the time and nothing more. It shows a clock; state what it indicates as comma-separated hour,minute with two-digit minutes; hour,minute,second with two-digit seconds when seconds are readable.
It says 4,08
